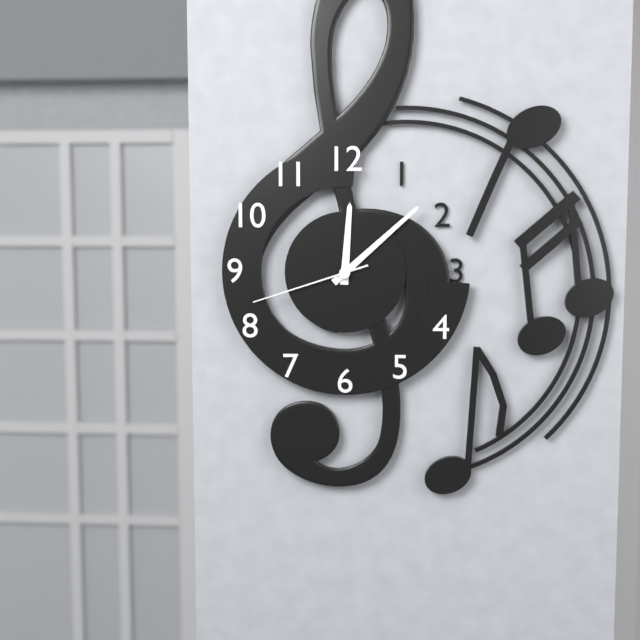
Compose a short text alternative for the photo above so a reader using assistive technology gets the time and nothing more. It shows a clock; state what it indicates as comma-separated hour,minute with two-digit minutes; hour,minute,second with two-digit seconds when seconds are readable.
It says 12,08,42
